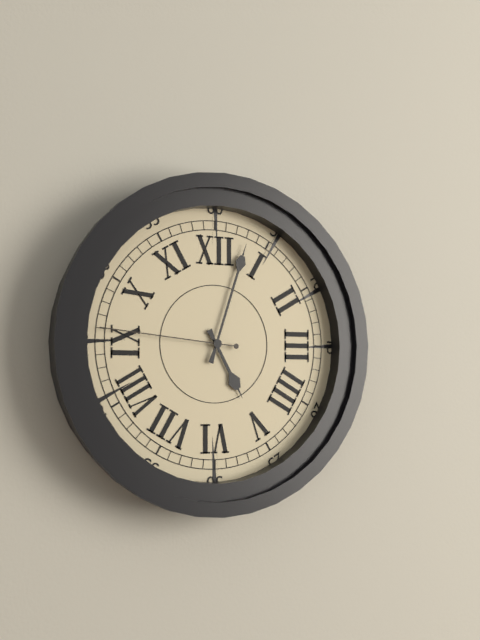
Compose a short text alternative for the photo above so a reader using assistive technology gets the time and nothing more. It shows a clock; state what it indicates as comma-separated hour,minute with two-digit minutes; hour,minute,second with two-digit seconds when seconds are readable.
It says 5,03,46
